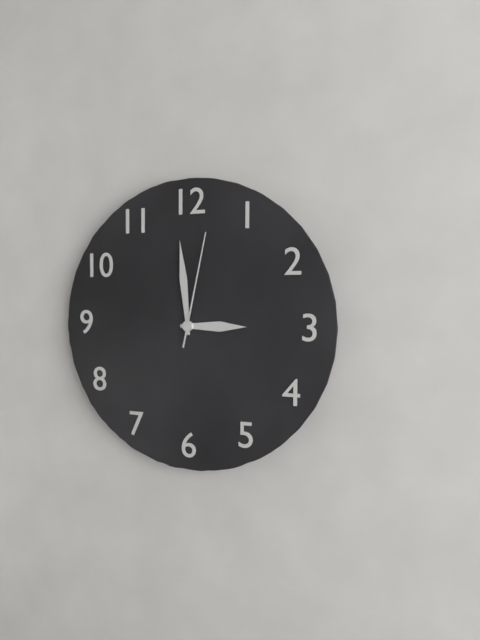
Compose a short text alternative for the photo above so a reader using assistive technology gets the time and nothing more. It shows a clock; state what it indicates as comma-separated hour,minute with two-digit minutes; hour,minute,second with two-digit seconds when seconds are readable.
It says 2,59,02
